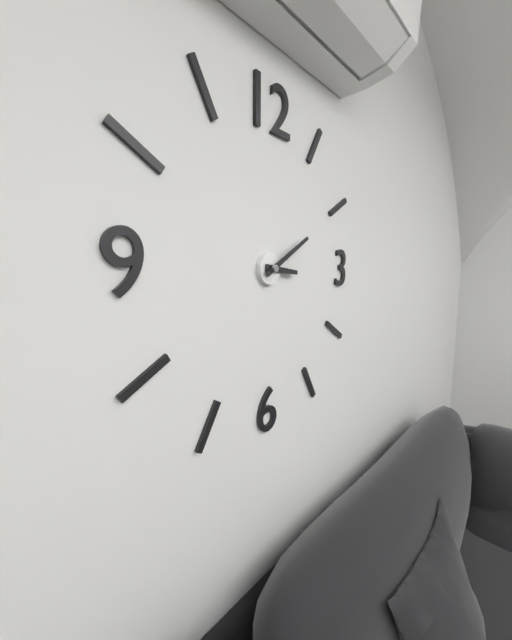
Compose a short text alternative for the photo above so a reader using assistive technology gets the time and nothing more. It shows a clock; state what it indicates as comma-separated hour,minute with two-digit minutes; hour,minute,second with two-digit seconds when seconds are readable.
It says 3,10
